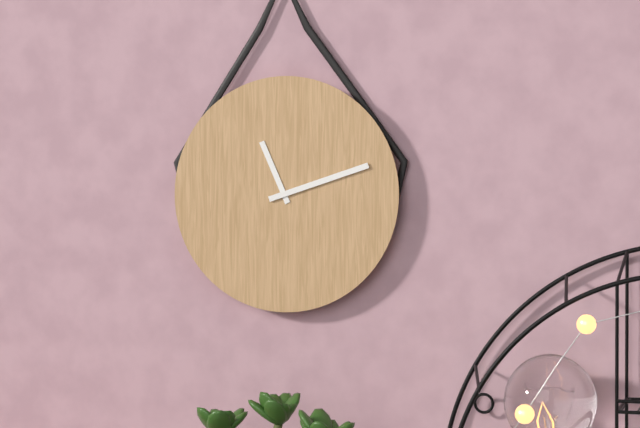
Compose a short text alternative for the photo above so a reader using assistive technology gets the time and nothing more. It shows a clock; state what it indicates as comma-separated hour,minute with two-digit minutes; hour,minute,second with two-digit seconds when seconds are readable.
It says 11,12
